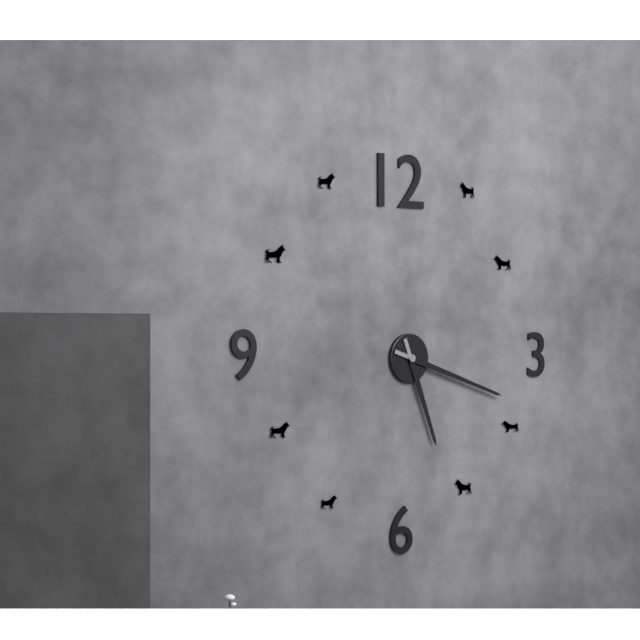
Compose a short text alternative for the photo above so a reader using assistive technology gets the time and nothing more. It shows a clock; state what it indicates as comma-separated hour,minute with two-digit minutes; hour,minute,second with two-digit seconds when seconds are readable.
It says 5,18
